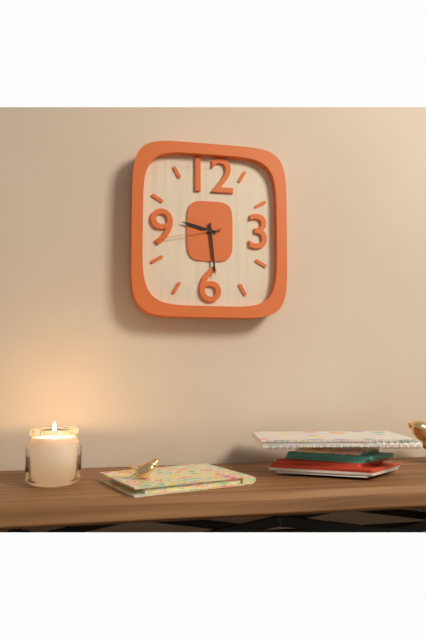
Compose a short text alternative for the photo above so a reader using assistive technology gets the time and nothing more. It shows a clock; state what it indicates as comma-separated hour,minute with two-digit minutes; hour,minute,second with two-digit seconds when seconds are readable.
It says 9,29,43
